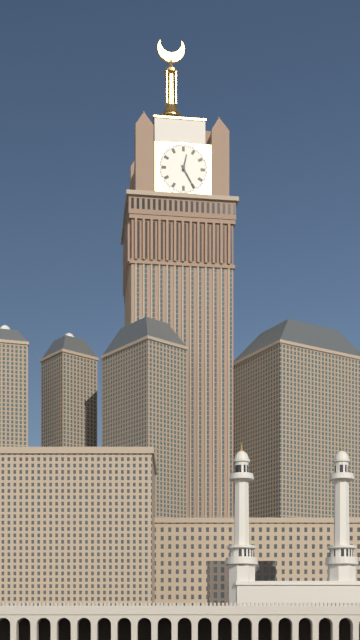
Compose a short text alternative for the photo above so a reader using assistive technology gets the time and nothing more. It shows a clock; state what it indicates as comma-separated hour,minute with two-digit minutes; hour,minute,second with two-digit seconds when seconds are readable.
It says 12,25
